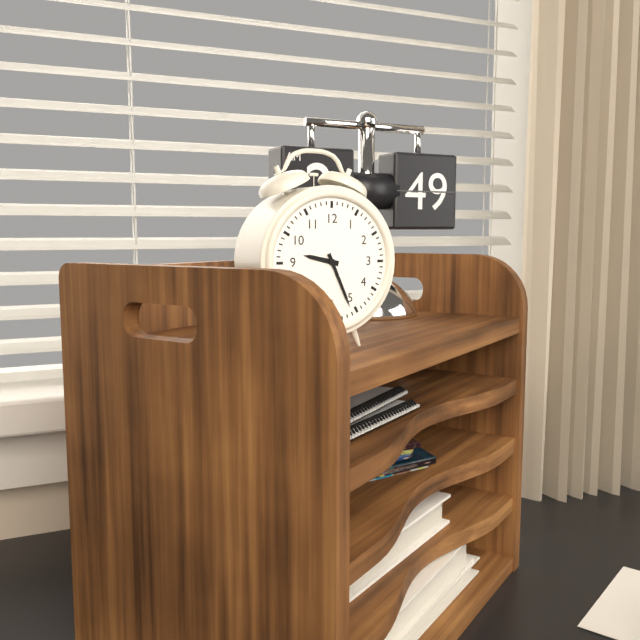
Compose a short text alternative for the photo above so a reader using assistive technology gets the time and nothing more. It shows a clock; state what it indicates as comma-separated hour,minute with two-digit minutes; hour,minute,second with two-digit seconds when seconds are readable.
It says 9,26
